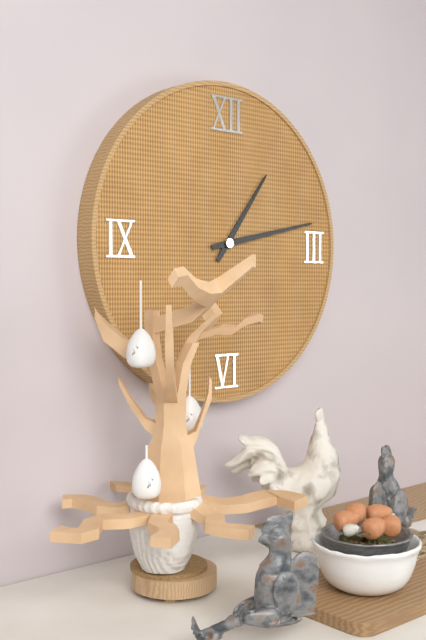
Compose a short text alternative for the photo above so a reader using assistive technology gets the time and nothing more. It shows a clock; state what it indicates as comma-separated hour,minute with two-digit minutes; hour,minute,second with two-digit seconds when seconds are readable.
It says 1,13
